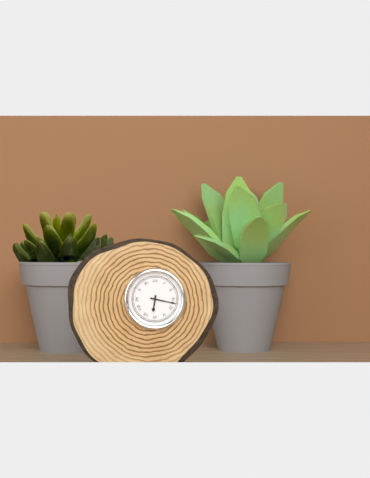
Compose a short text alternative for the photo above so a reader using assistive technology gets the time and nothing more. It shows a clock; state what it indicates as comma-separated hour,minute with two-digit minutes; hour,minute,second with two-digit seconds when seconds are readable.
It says 6,17
